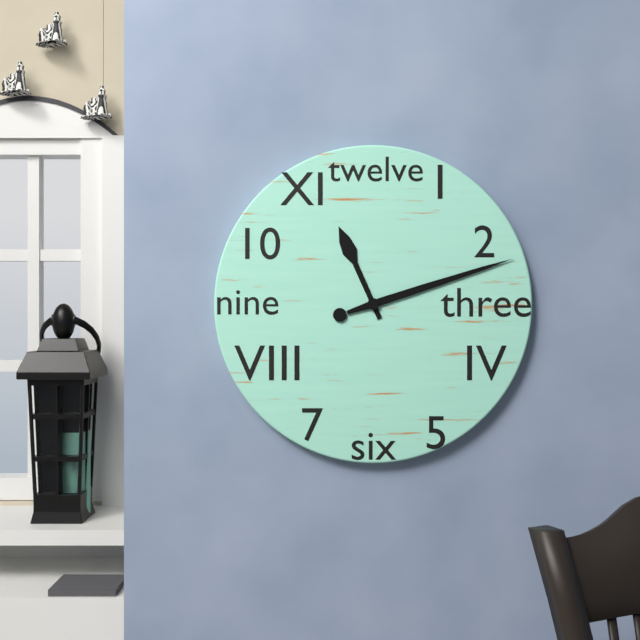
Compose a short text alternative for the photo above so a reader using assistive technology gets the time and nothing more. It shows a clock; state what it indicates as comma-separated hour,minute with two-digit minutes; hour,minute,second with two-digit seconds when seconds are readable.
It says 11,12
